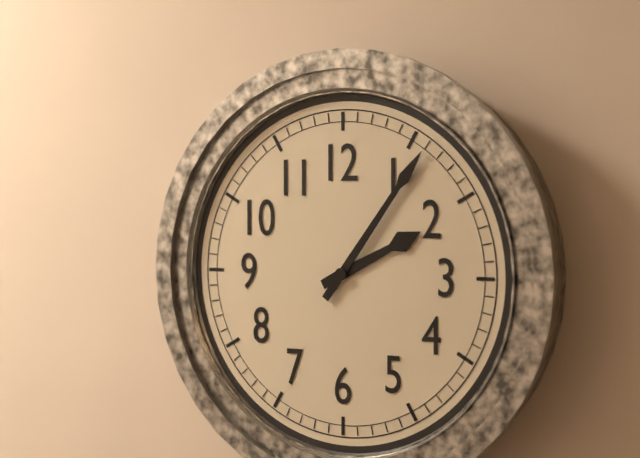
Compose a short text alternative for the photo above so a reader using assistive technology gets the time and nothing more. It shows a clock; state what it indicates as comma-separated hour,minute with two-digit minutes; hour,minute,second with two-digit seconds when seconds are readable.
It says 2,06
